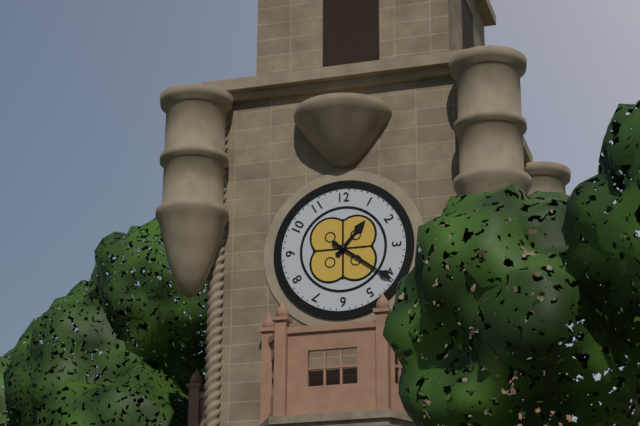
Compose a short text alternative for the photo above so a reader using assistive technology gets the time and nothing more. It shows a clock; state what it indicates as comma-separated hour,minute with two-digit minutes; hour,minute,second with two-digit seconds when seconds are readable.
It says 1,21
